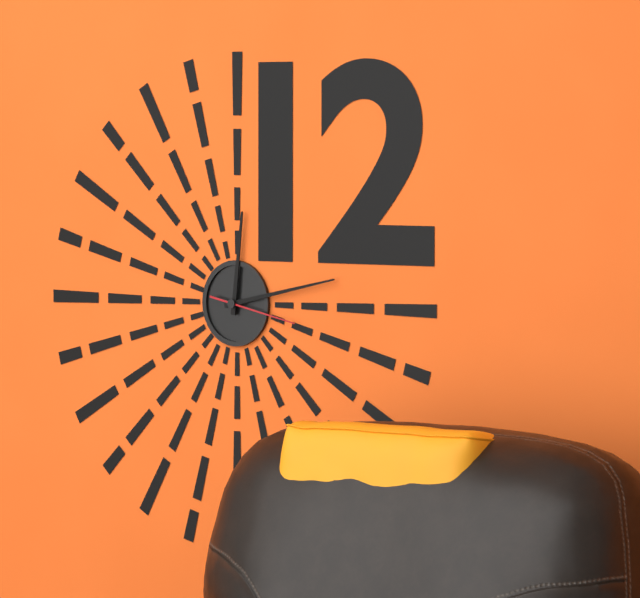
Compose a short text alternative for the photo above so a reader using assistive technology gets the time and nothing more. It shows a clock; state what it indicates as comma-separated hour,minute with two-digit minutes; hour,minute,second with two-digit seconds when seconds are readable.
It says 12,13,17
